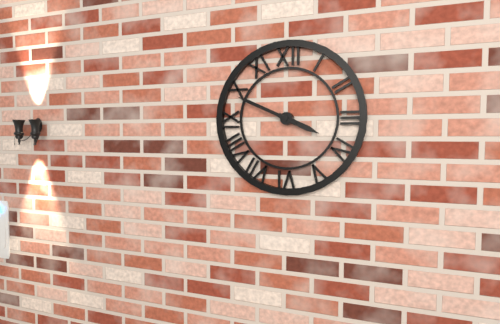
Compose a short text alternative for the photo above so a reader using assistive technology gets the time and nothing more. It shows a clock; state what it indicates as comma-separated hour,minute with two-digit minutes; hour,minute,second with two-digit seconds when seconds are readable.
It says 3,49
